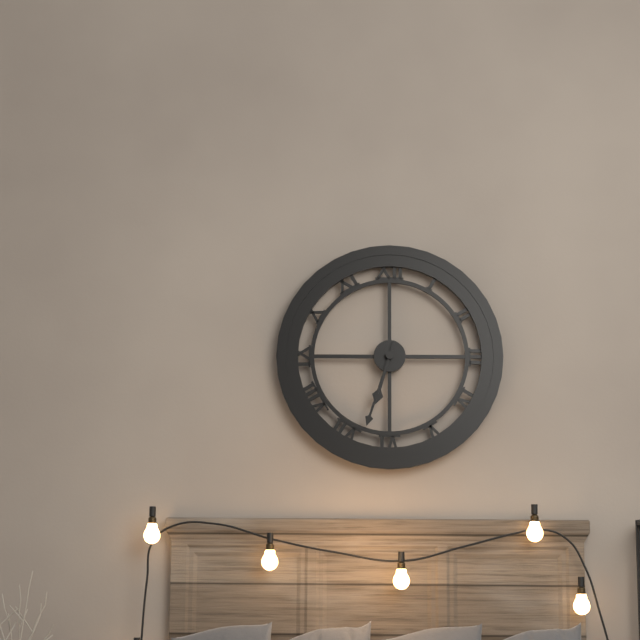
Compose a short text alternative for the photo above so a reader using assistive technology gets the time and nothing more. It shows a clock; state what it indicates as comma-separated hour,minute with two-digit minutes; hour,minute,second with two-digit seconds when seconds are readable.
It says 6,33
